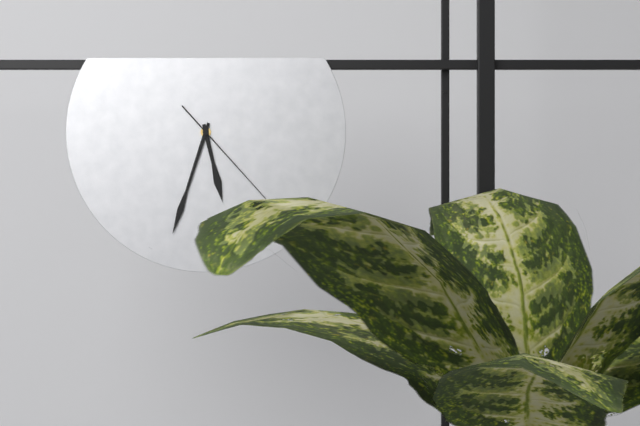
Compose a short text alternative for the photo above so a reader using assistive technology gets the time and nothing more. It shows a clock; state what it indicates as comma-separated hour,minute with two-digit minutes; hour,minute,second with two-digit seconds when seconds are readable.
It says 5,33,23
